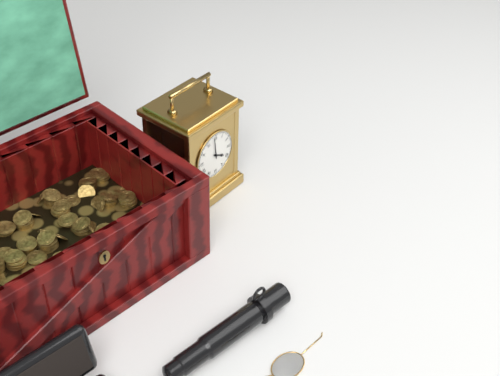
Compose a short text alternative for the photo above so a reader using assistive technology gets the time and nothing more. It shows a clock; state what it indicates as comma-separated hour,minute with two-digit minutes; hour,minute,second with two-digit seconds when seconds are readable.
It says 3,59
